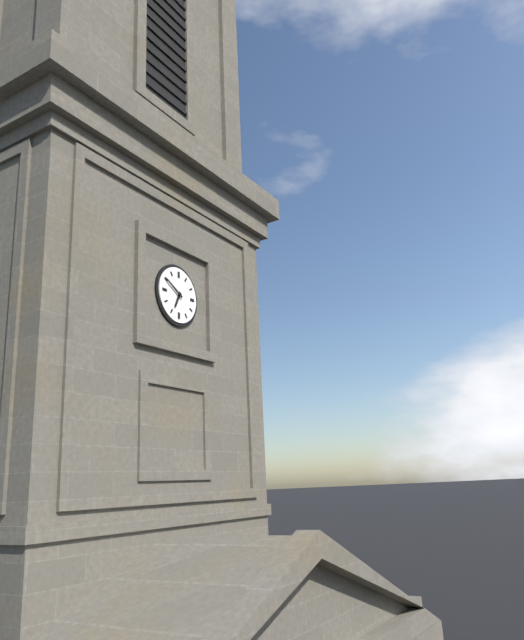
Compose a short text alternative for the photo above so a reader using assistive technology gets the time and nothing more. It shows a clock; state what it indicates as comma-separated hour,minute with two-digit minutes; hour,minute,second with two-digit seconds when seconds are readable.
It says 6,50
